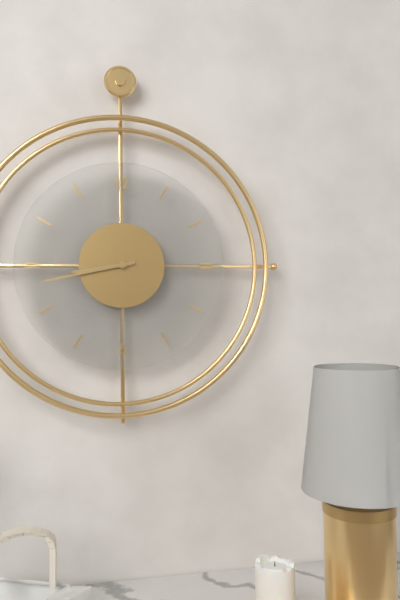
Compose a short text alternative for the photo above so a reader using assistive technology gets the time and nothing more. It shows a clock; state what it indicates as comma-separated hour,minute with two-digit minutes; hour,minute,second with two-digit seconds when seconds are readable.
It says 8,43
